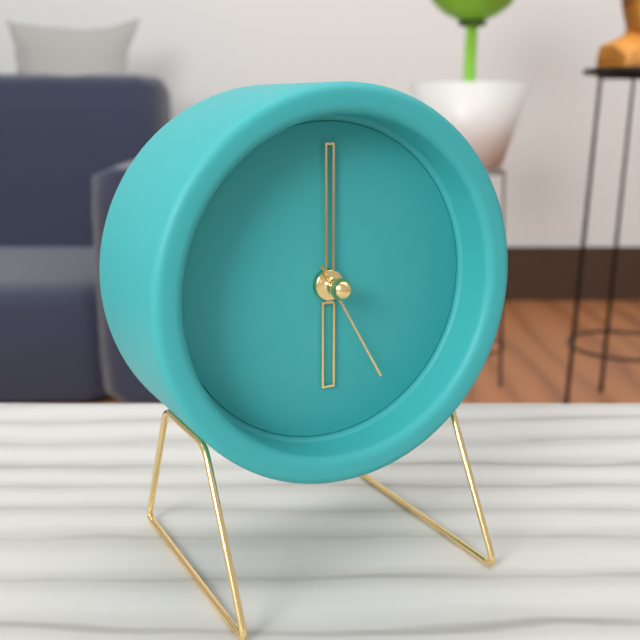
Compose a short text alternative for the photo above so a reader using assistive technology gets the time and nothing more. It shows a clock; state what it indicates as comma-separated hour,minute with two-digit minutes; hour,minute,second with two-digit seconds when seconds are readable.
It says 6,00,25
